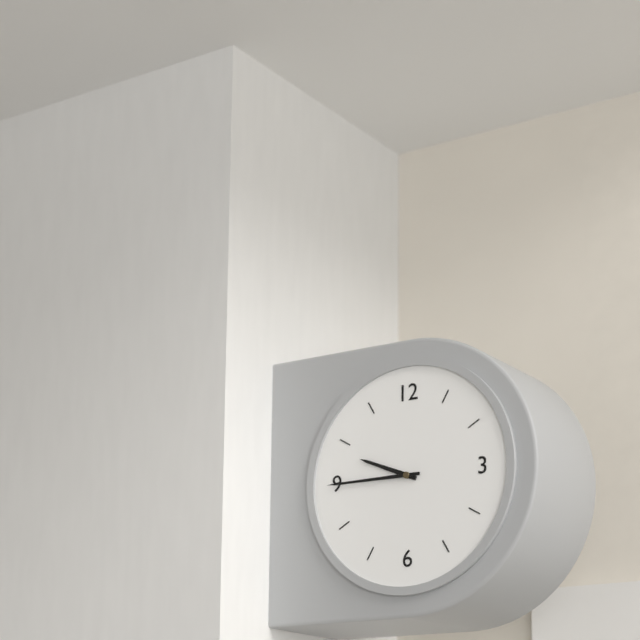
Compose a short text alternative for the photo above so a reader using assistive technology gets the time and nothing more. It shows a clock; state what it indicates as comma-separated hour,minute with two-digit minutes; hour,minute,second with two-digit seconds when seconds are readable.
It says 9,45
